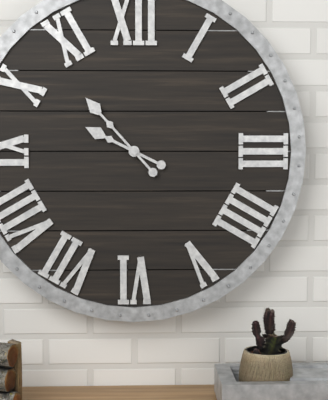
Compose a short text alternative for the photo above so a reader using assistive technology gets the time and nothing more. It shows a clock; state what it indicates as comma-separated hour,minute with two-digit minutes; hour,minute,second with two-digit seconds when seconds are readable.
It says 9,53
